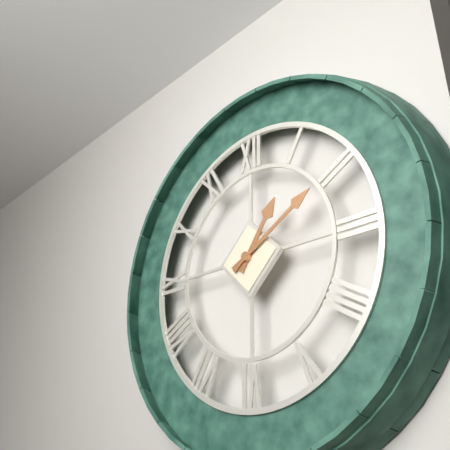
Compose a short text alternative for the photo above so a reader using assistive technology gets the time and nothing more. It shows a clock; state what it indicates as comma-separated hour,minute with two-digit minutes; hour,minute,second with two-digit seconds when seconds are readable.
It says 1,10
